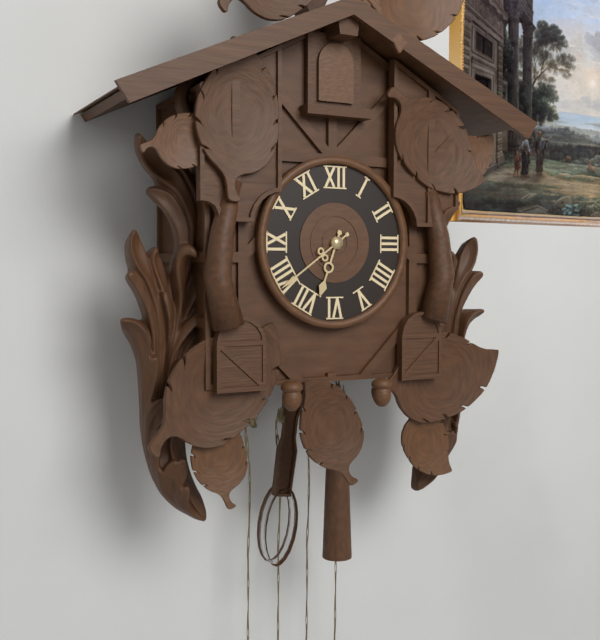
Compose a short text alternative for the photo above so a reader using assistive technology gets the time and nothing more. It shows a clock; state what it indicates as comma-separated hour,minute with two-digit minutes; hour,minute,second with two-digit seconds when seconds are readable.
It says 6,39
